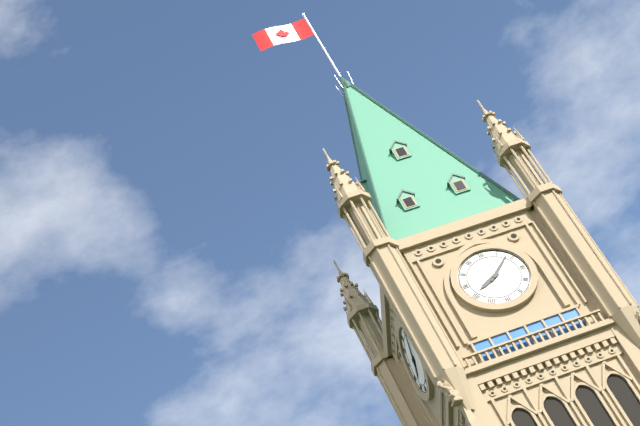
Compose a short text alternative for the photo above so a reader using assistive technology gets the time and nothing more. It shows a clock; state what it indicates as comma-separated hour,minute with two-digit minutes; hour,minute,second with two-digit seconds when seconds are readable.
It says 8,08
